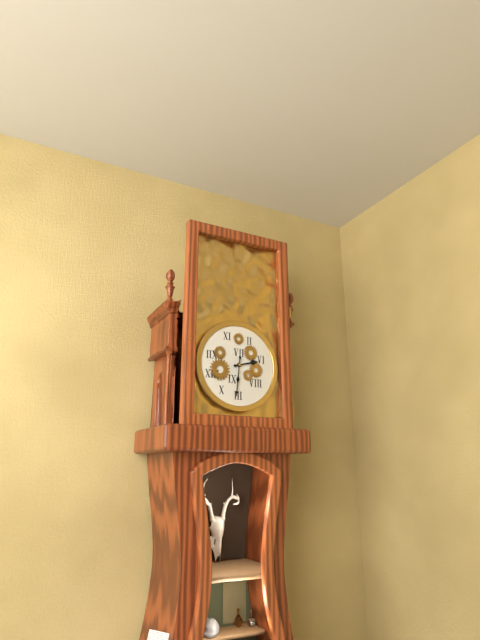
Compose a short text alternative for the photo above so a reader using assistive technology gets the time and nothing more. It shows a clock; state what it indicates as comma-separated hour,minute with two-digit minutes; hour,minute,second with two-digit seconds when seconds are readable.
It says 2,31
